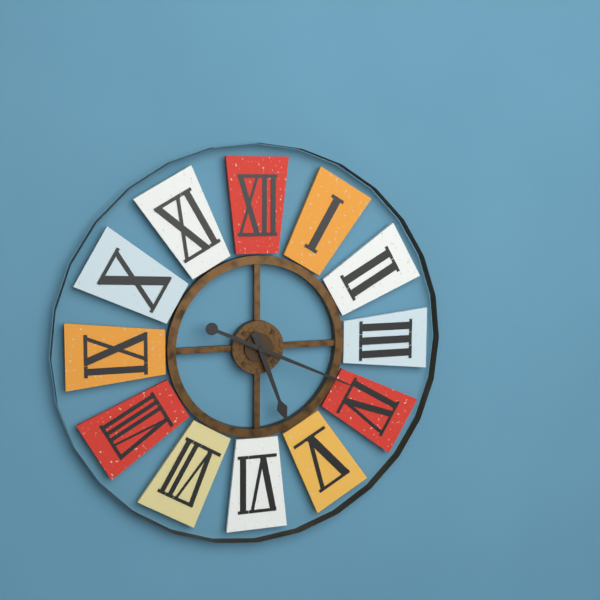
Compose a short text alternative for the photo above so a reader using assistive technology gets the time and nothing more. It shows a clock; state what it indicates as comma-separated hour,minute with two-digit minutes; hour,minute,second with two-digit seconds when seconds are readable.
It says 5,19
